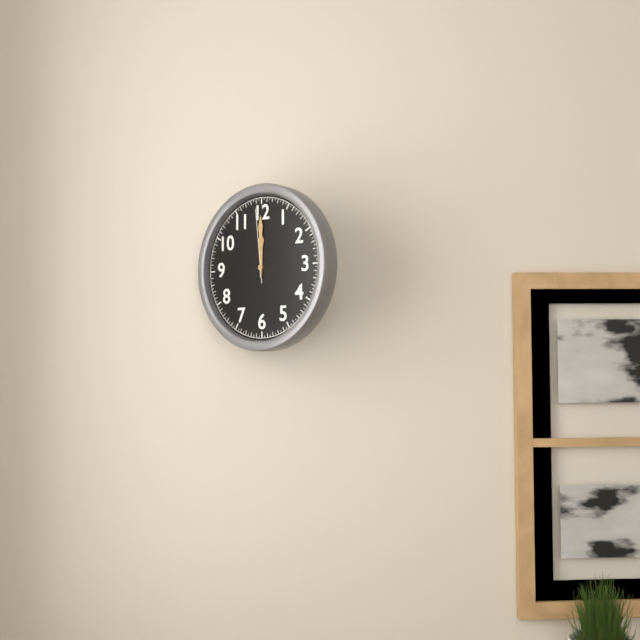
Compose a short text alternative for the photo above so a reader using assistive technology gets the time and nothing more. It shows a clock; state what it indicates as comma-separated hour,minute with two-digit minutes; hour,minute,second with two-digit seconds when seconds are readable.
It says 12,00,59
